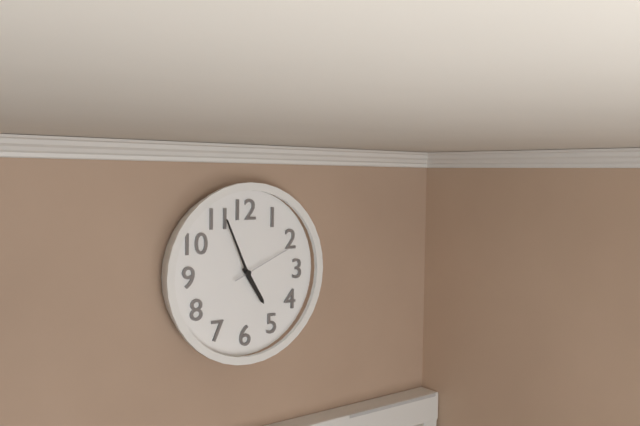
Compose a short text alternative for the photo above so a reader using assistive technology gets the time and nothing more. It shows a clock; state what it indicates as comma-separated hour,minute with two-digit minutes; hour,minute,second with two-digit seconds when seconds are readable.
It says 4,56,11
